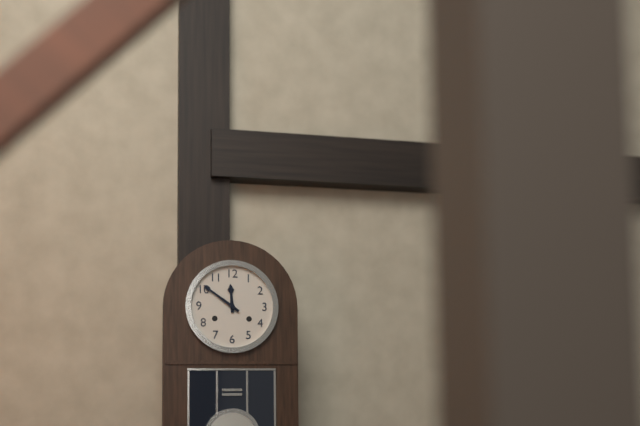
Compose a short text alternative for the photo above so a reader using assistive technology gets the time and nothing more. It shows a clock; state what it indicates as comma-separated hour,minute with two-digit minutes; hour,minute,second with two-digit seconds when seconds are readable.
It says 11,51
